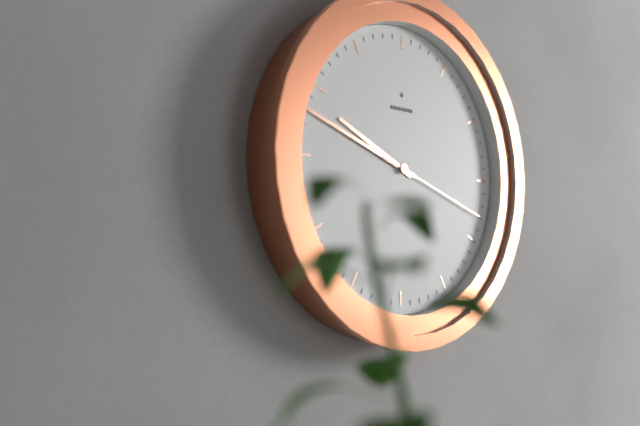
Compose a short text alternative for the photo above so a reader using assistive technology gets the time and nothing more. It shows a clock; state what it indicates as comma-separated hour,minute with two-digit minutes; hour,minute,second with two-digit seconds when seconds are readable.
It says 9,48,18
